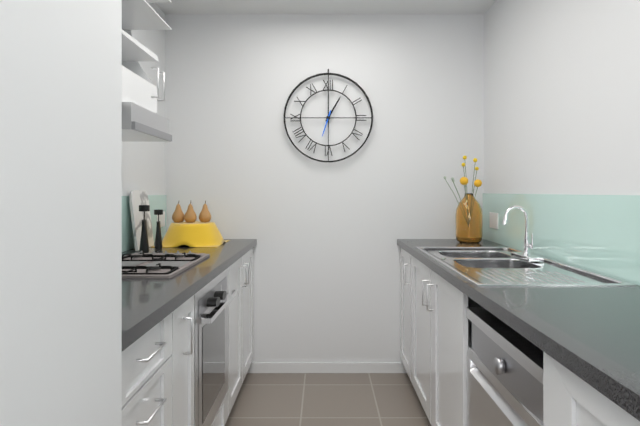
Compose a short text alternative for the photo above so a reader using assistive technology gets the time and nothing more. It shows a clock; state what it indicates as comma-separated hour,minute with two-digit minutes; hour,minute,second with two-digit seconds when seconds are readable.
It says 1,00
